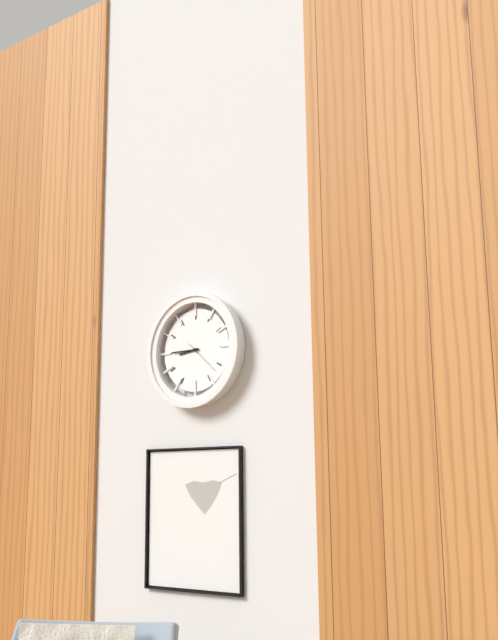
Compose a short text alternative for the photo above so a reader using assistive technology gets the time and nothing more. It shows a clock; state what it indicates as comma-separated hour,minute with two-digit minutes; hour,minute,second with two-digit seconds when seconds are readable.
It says 8,45
